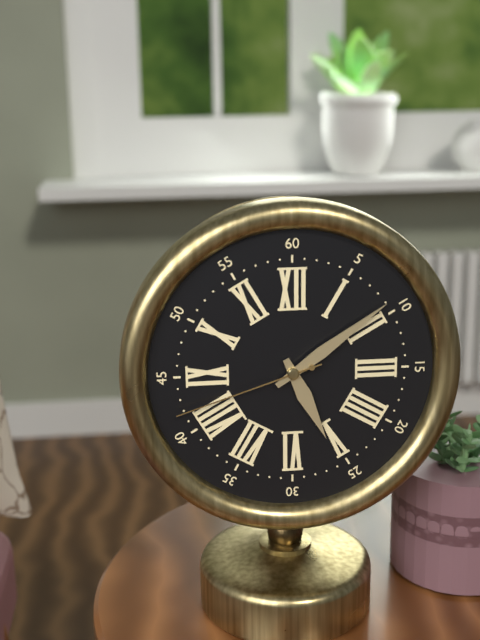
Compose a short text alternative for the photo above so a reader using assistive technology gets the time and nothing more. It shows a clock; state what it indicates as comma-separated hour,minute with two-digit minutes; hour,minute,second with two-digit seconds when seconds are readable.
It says 5,09,42
